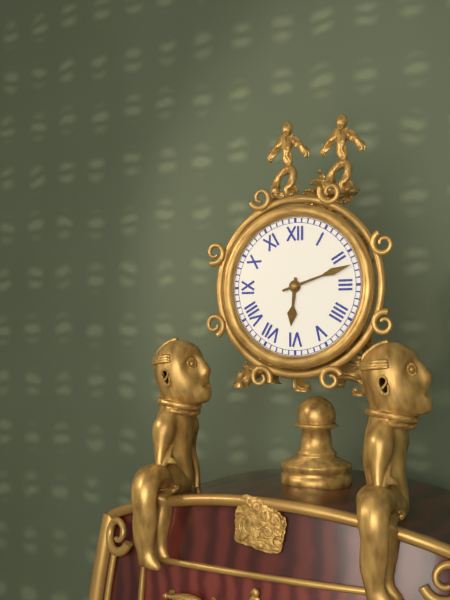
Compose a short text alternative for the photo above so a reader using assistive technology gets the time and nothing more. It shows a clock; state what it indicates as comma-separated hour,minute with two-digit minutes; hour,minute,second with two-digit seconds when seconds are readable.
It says 6,12
